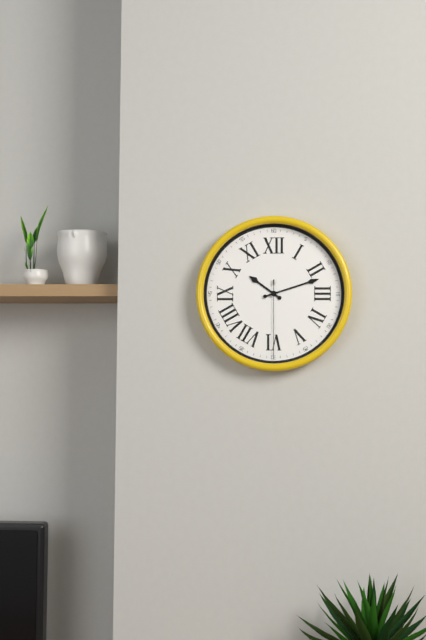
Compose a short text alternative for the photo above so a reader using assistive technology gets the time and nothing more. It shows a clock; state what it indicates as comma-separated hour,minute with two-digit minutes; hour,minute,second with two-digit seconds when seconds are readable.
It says 10,12,30
